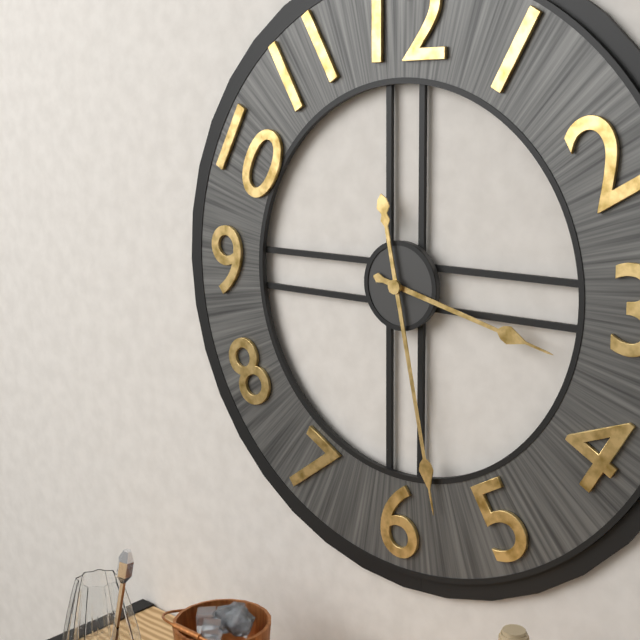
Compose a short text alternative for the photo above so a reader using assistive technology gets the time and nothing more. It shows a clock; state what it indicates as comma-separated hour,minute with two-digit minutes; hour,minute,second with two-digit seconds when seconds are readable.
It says 3,28
